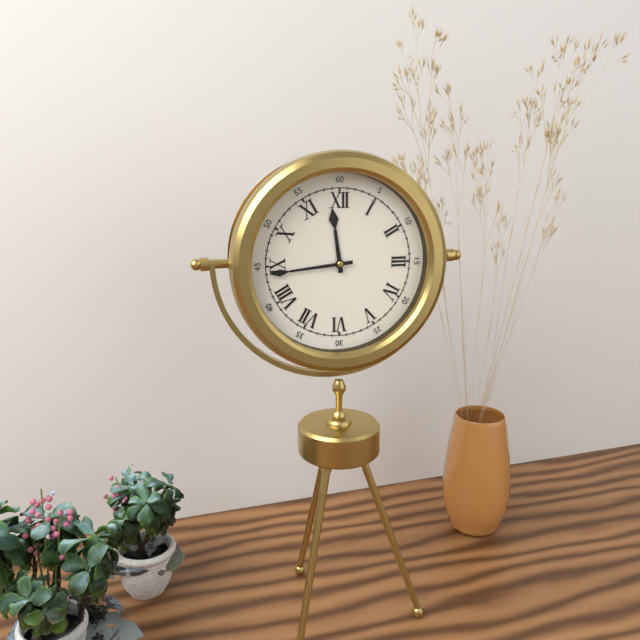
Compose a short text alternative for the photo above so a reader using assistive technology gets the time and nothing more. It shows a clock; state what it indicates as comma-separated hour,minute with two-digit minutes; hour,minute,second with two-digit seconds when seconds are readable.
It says 11,44
